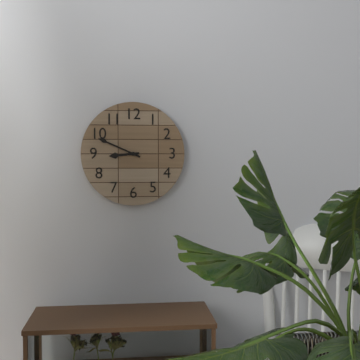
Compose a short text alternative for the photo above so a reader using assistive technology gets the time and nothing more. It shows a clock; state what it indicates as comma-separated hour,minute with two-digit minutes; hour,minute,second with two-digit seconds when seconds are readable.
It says 8,49
